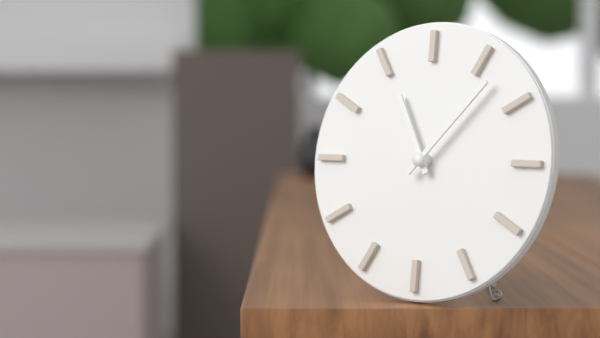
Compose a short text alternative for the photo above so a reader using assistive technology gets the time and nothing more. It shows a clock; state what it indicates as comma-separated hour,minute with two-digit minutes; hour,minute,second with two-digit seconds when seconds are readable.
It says 11,07
